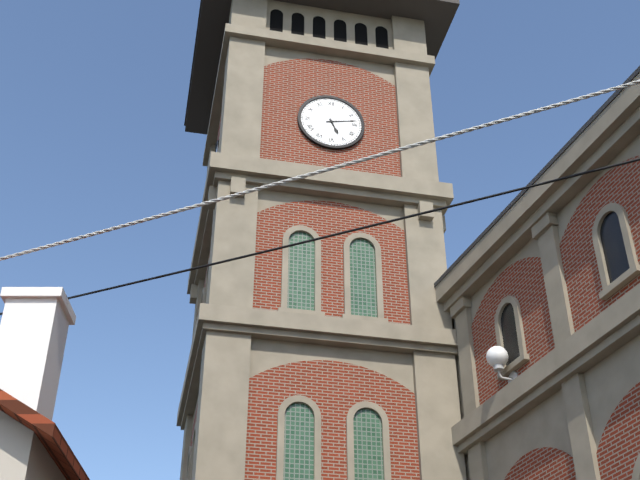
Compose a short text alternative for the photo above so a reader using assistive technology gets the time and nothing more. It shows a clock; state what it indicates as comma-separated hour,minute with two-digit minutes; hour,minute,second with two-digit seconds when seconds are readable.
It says 5,13
